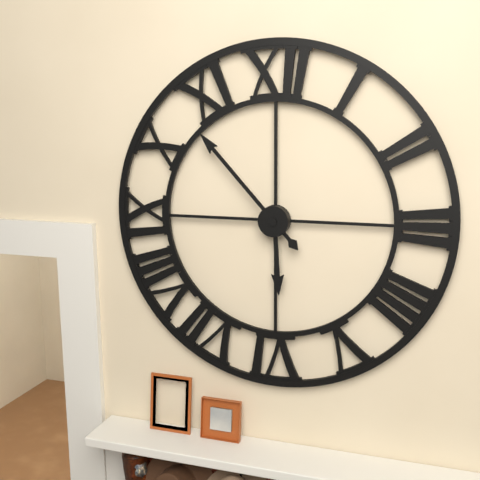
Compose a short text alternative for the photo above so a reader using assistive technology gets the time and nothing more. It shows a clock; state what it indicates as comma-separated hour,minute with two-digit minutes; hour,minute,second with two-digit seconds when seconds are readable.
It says 5,53
